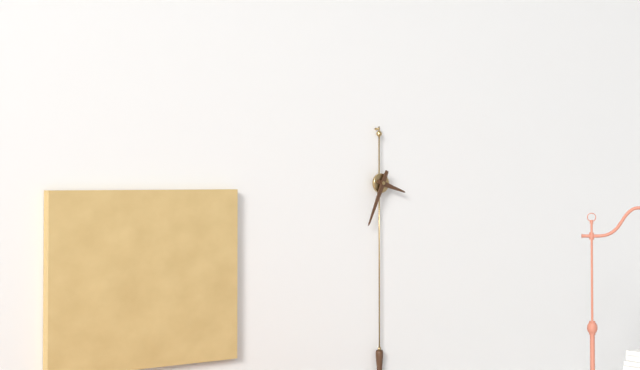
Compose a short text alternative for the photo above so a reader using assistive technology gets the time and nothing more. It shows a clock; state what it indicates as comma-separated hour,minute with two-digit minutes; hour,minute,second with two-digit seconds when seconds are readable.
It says 3,34
